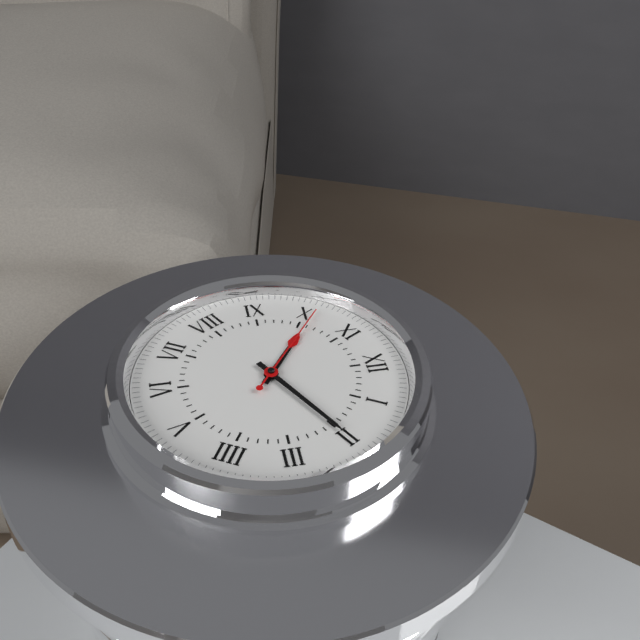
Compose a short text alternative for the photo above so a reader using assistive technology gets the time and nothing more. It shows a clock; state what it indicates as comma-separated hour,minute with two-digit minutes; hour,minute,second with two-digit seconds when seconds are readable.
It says 10,10,51
